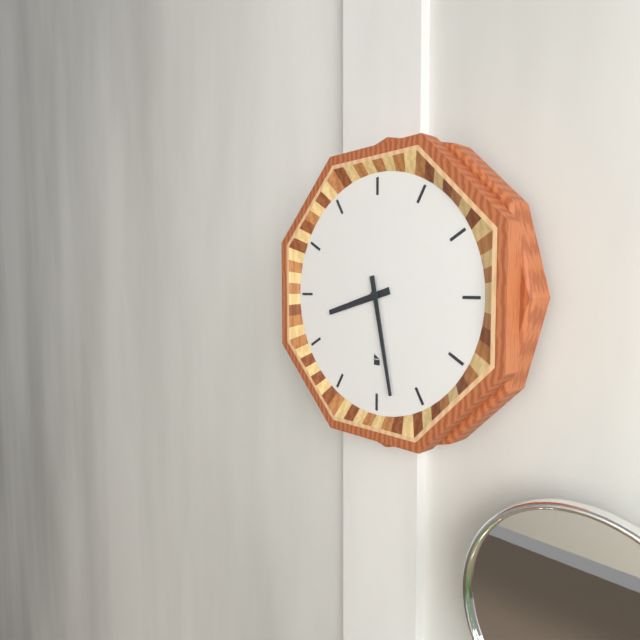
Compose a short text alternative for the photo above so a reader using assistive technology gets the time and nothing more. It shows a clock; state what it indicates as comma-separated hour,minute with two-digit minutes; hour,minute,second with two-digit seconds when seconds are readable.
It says 8,28
